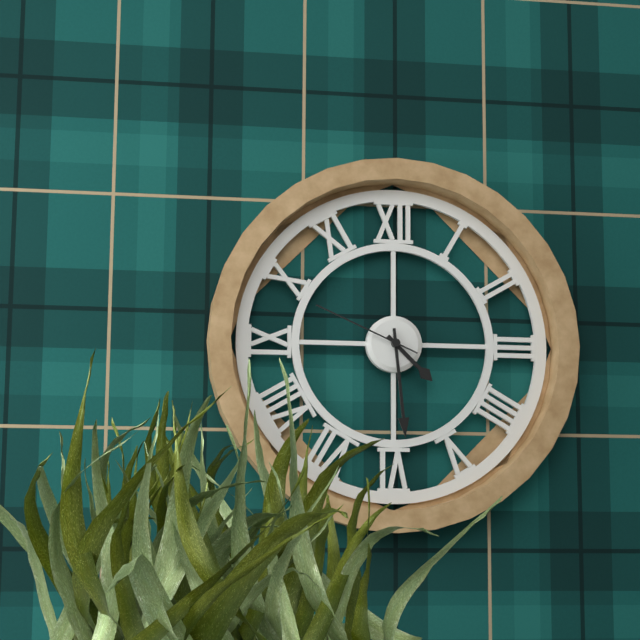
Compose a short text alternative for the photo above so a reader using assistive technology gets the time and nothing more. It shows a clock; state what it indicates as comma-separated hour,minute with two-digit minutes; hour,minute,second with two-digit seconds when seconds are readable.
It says 4,29,49
